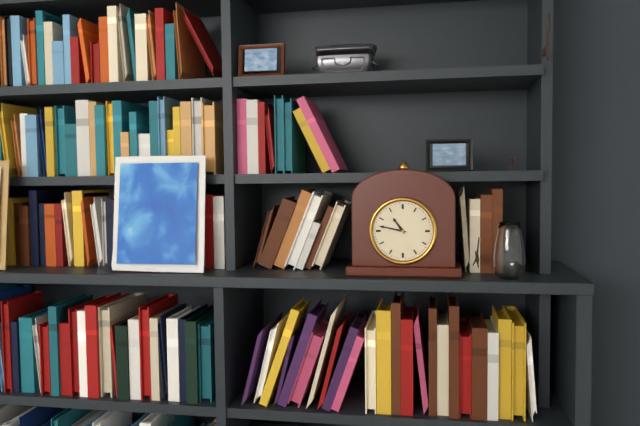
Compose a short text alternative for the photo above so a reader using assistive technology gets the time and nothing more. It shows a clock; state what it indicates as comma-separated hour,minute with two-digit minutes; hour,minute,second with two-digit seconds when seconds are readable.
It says 10,47
